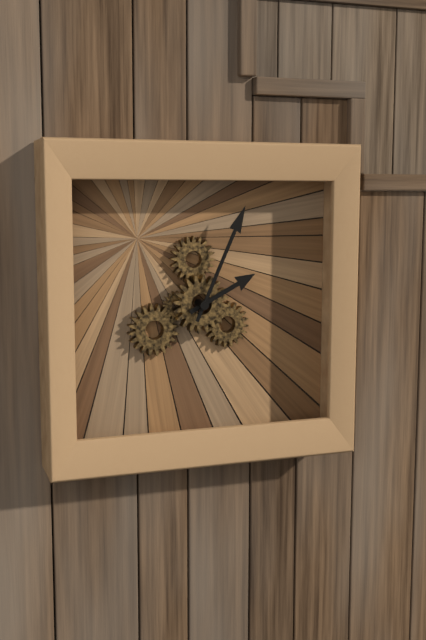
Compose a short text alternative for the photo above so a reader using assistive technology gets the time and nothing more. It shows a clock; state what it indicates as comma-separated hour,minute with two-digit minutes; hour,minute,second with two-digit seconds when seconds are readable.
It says 2,04
